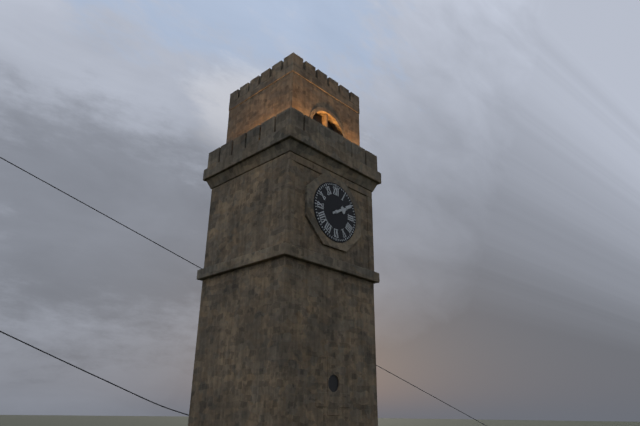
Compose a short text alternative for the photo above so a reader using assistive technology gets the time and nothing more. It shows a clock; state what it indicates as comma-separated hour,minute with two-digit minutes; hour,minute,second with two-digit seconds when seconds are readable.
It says 2,10
